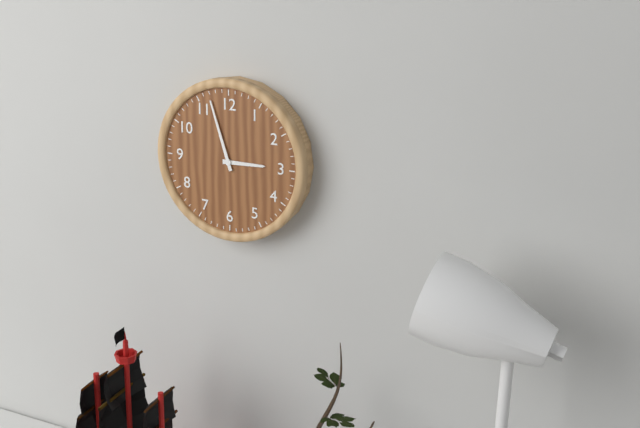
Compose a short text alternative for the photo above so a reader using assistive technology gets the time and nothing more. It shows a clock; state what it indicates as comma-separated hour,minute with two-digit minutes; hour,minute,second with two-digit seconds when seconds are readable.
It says 2,57
